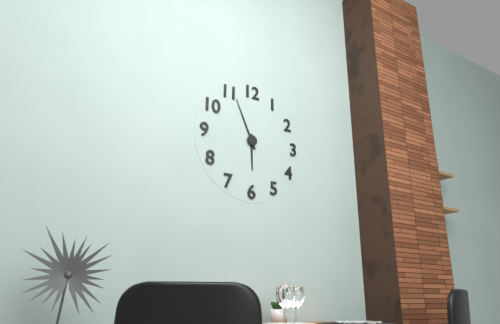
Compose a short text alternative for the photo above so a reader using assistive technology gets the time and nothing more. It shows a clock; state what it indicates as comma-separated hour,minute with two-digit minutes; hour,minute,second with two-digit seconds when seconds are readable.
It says 5,56
